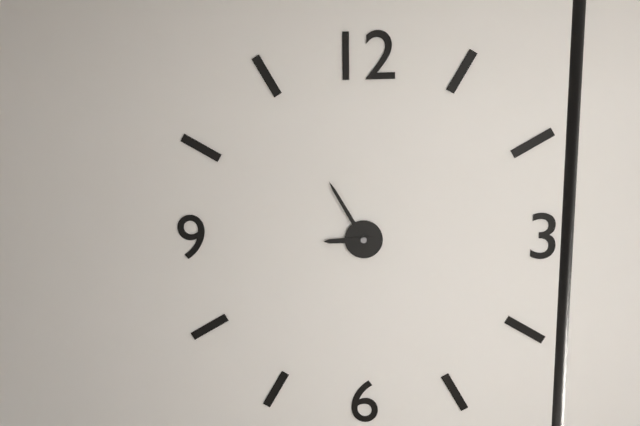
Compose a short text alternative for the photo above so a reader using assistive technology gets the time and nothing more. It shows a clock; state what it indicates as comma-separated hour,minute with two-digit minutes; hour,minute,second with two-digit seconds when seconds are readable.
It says 8,55
